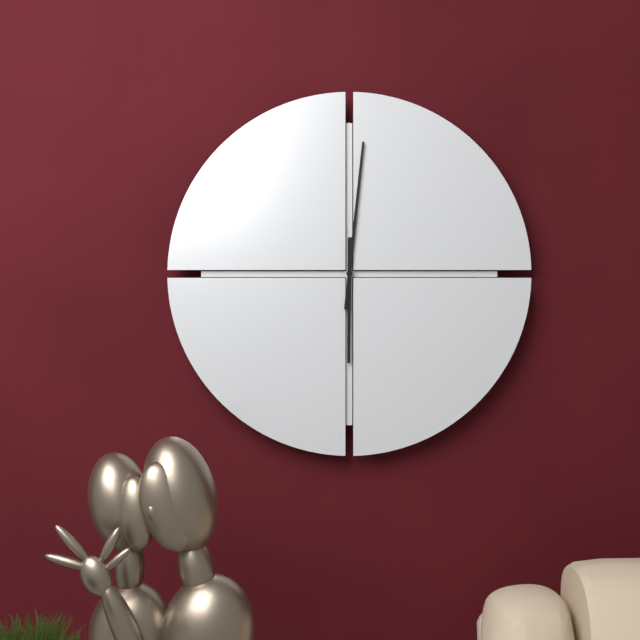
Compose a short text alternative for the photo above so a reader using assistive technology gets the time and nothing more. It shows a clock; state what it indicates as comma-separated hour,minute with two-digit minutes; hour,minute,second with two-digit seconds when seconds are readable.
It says 6,01
